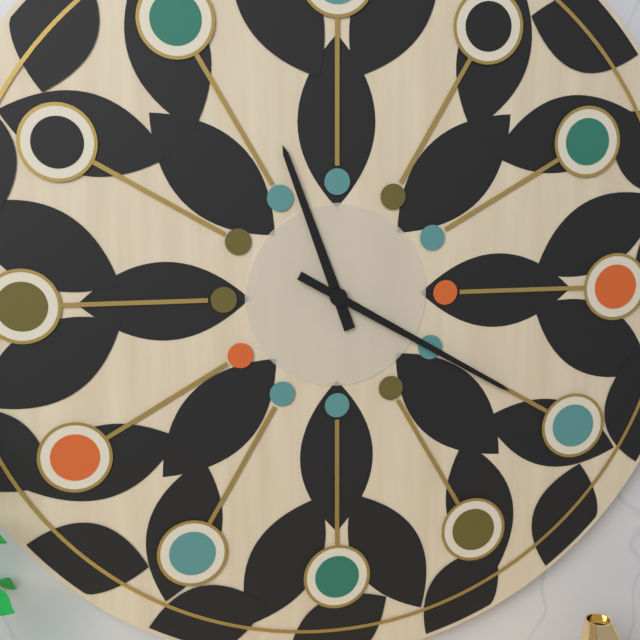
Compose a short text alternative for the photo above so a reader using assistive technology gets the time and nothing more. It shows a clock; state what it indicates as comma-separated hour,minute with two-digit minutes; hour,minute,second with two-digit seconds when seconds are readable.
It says 11,20
